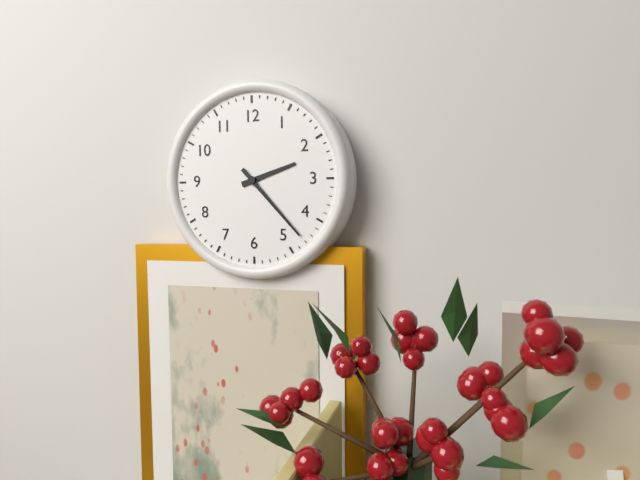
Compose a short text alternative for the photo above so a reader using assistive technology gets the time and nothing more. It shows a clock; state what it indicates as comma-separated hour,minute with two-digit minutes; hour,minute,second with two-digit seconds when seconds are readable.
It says 2,23
